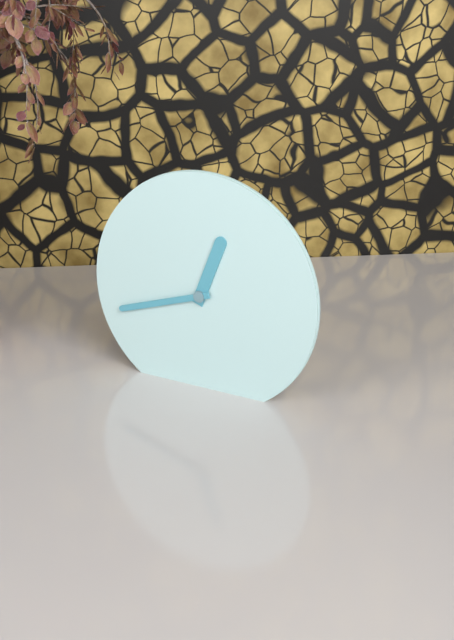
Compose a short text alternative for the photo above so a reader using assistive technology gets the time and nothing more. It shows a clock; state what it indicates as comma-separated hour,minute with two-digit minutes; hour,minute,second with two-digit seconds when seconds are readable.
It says 12,42
